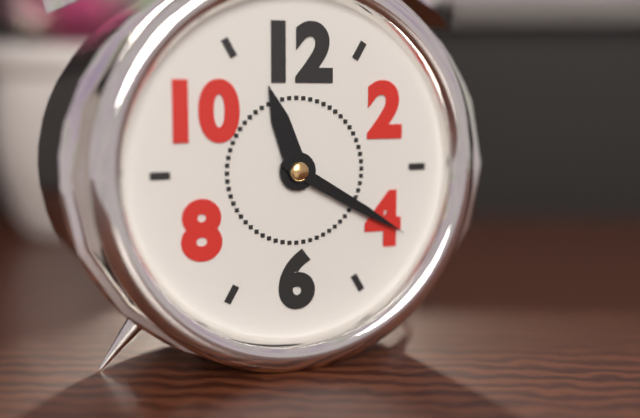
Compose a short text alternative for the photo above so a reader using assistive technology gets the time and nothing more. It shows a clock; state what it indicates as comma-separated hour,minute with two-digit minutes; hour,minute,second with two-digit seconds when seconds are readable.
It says 11,20
